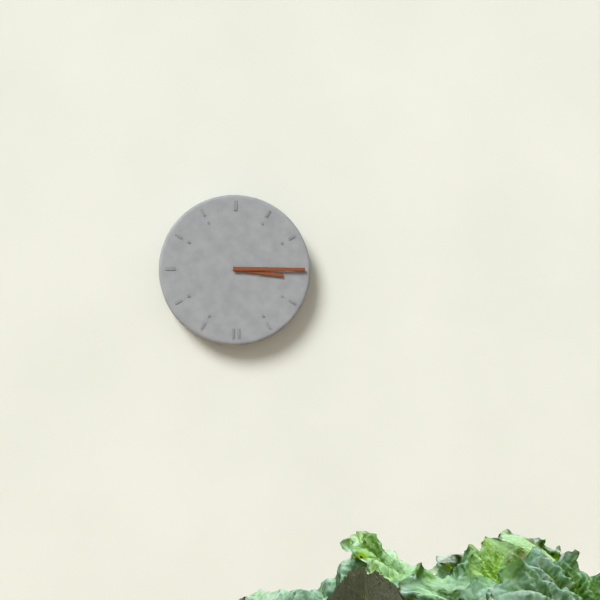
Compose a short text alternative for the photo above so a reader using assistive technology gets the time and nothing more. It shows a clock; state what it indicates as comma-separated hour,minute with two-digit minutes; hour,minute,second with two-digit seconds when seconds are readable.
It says 3,15
